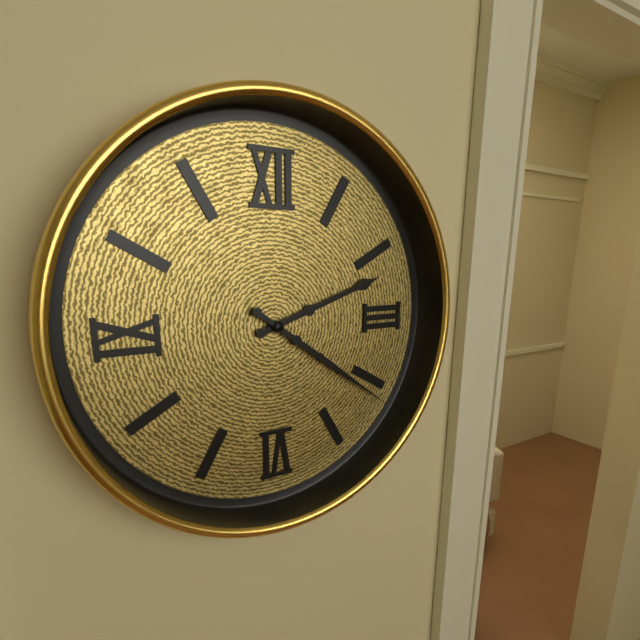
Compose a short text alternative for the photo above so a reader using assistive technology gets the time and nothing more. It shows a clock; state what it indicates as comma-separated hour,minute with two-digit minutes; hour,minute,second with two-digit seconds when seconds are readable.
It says 2,21
